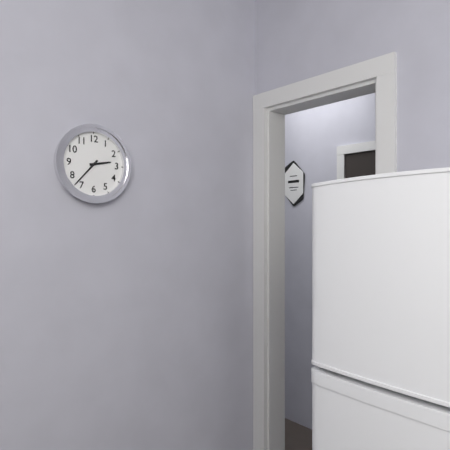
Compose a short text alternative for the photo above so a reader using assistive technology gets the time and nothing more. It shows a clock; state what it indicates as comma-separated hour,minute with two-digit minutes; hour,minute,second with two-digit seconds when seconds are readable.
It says 2,37
